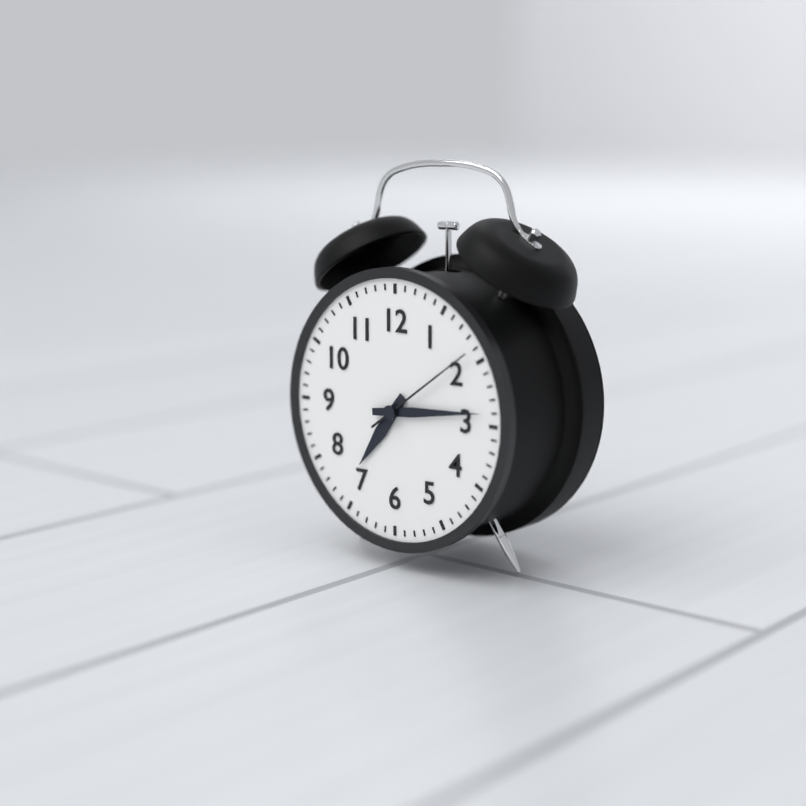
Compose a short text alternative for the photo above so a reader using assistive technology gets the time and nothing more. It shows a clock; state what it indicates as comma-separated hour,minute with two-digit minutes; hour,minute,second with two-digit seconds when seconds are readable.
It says 7,14,09
